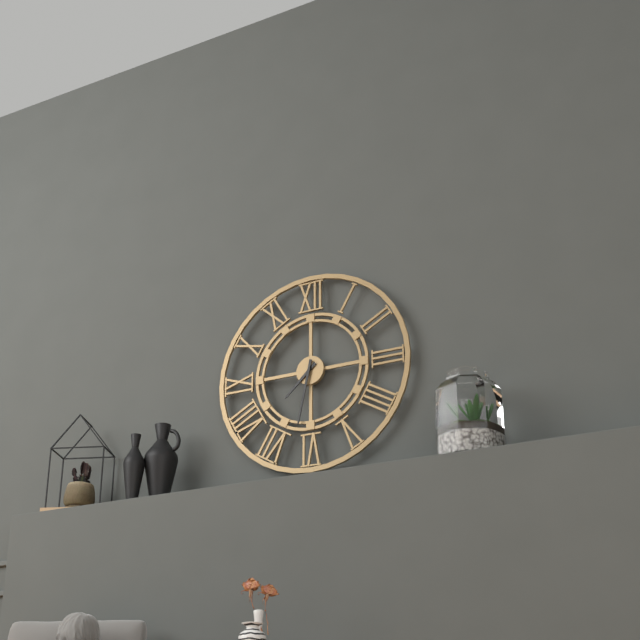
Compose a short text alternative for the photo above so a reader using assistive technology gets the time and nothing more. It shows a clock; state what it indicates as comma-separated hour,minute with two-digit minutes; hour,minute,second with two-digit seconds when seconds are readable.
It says 7,32
